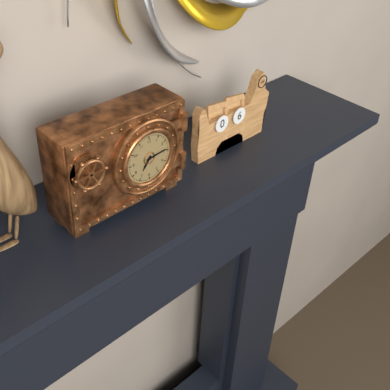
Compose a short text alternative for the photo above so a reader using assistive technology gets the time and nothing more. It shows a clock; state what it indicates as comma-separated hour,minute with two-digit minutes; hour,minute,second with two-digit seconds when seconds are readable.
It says 7,14
